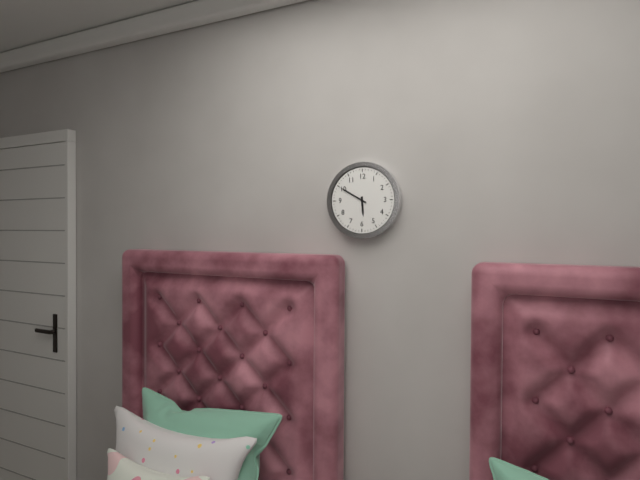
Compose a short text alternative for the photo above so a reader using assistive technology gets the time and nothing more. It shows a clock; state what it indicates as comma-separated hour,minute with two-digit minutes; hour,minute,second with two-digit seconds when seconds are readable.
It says 5,50
